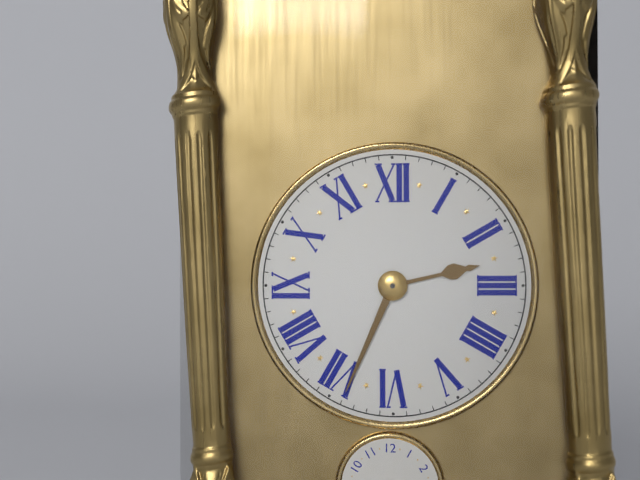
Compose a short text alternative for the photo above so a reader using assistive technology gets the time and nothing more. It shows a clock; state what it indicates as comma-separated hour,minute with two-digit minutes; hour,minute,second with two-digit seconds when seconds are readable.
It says 2,34
